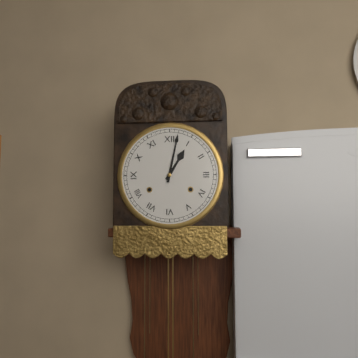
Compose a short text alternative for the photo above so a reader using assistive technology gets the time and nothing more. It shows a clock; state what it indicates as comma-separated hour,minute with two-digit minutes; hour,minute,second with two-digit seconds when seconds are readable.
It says 1,02
